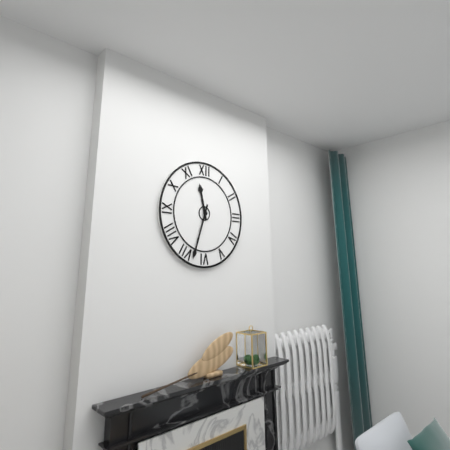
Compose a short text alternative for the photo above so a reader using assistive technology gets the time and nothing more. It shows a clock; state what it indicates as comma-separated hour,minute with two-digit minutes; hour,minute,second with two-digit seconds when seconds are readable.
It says 11,33
